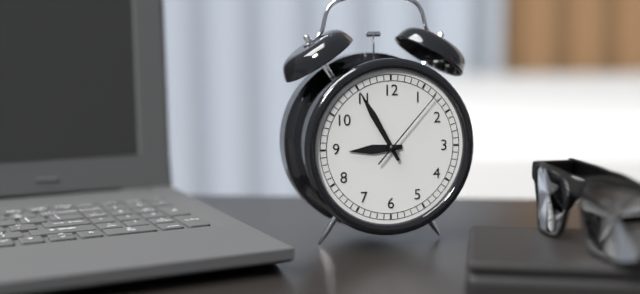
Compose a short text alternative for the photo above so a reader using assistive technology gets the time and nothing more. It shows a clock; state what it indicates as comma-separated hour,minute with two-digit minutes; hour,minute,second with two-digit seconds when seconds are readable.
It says 8,55,07
